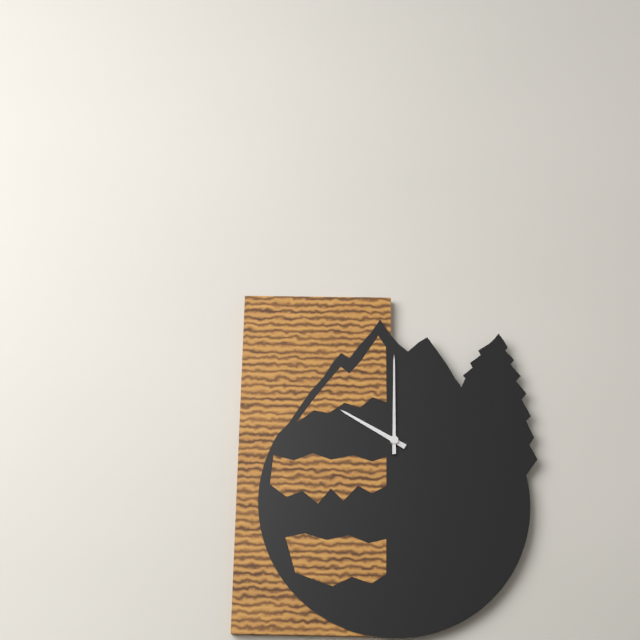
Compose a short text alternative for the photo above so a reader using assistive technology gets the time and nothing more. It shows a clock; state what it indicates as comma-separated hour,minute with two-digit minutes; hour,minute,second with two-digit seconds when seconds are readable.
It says 10,00
